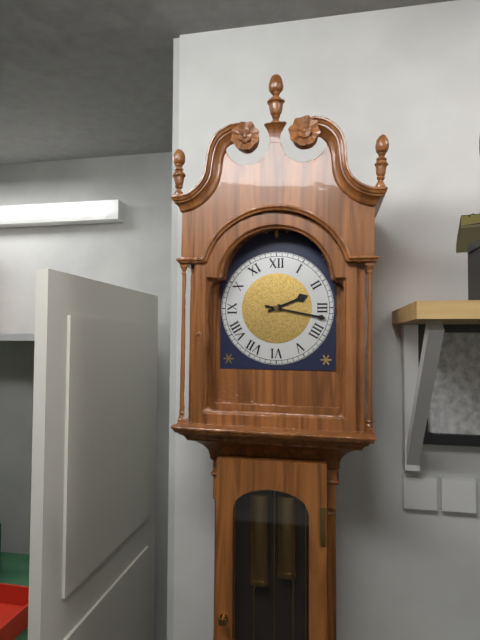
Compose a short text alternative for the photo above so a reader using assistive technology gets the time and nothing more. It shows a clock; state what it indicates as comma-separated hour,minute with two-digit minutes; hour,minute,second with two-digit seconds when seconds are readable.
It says 2,17
